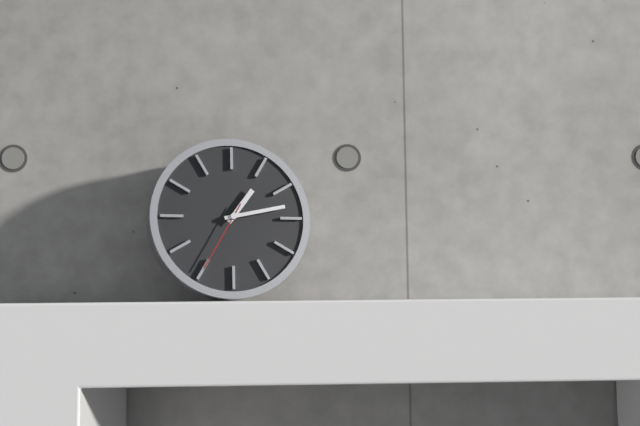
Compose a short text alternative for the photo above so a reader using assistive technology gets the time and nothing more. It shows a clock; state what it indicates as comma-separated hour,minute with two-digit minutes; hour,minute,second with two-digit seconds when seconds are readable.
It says 1,13,35
